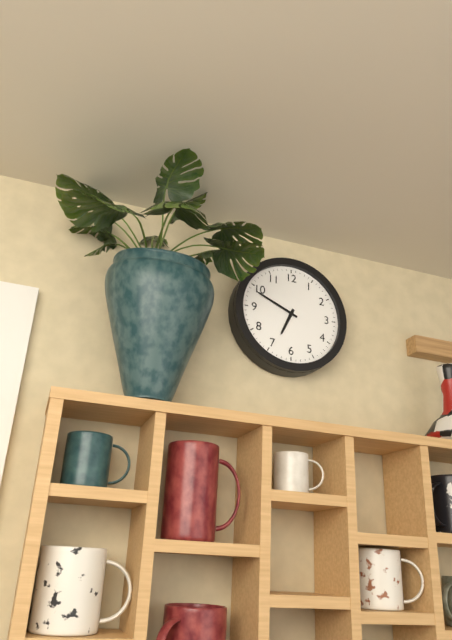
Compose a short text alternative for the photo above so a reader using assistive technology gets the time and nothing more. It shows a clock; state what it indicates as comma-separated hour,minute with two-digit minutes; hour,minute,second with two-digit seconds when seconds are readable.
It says 6,49
